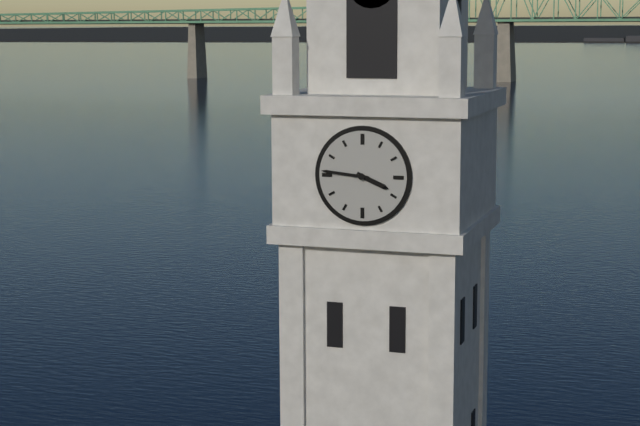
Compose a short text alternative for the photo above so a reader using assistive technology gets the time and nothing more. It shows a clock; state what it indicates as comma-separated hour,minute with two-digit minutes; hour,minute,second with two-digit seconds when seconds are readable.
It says 3,46
